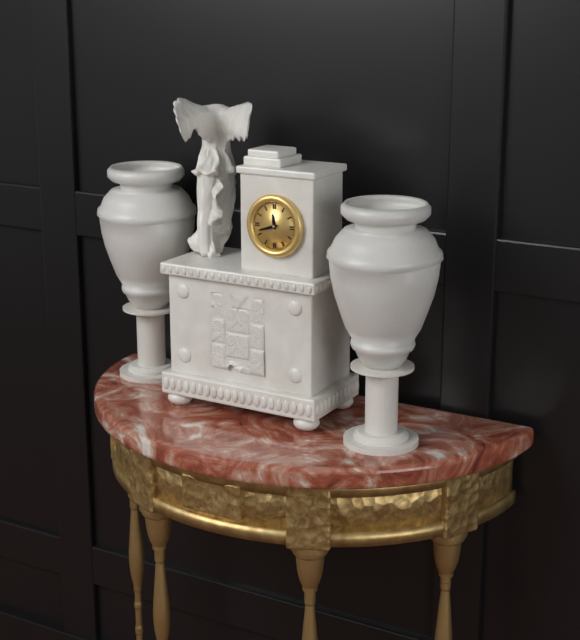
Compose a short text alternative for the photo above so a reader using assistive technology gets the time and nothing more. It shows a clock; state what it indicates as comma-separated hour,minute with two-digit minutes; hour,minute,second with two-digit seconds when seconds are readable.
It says 11,42
